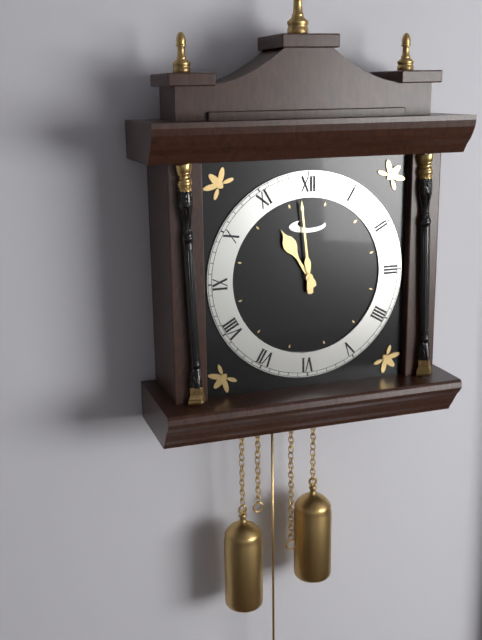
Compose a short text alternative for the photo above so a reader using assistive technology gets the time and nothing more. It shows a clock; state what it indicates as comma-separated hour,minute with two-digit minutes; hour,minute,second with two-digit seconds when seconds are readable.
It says 10,59
